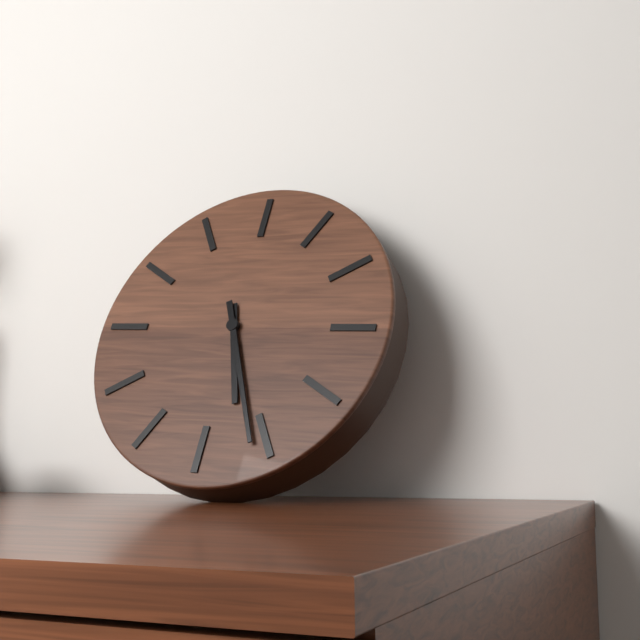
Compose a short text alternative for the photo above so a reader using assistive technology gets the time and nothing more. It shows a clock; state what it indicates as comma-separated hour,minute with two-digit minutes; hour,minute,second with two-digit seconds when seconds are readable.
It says 5,26
